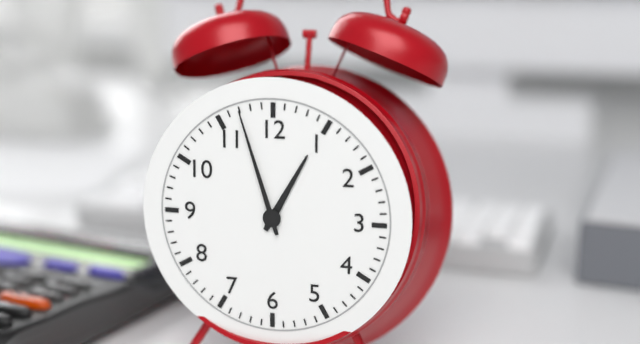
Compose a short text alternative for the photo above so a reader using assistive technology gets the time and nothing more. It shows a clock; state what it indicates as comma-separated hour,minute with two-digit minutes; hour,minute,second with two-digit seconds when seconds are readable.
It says 12,57
